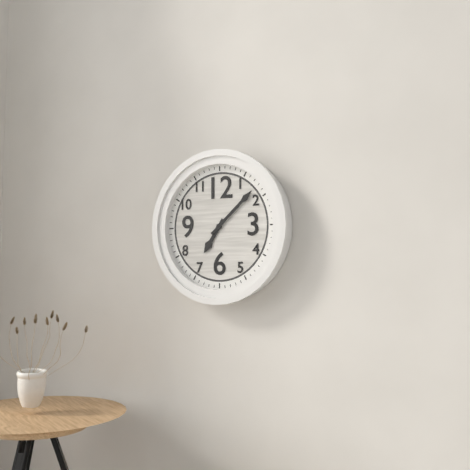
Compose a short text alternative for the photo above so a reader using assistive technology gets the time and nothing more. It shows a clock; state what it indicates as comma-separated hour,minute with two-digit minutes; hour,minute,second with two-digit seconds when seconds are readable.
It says 7,08
